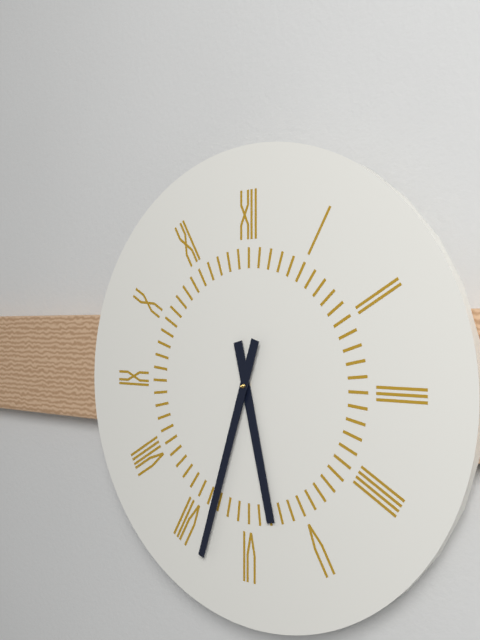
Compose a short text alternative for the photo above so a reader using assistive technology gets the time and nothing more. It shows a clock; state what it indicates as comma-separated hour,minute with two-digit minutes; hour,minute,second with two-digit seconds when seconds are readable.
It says 5,33
